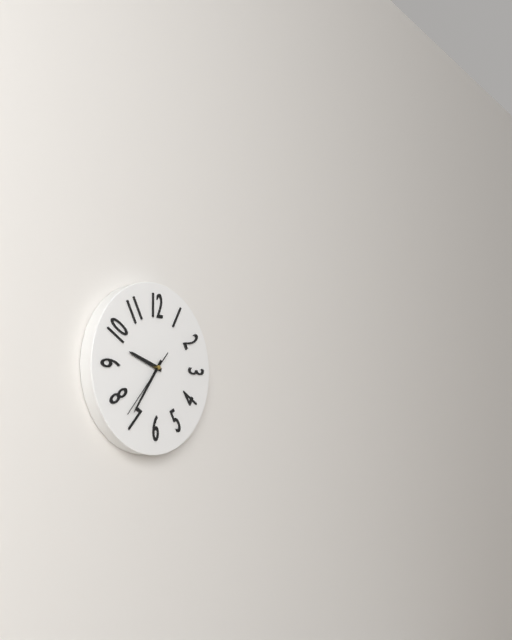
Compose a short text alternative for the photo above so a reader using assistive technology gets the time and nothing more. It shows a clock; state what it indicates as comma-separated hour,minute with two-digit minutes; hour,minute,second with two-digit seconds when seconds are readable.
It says 9,36,37
